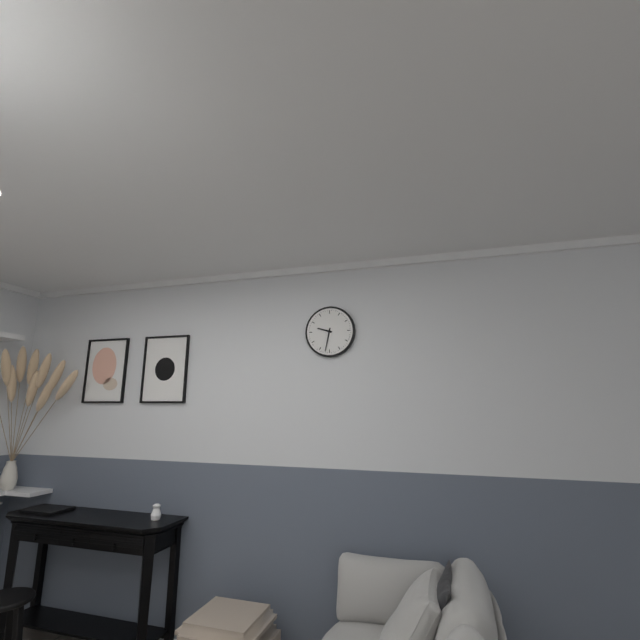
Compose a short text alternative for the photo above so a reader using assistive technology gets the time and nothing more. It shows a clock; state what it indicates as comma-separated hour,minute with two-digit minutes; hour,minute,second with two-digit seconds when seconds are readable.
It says 9,32
